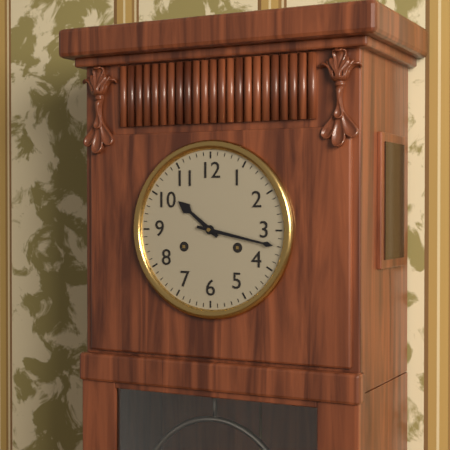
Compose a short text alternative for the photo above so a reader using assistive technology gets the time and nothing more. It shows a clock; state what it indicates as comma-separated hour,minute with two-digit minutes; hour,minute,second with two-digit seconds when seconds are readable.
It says 10,17
